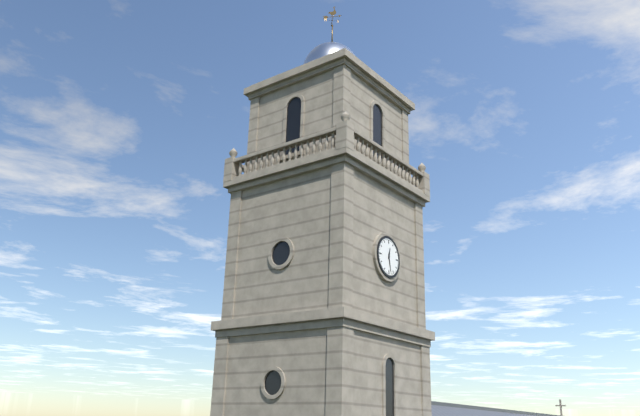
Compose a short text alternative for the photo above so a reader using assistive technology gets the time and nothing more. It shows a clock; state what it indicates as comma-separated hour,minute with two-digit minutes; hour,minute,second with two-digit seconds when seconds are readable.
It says 12,28
